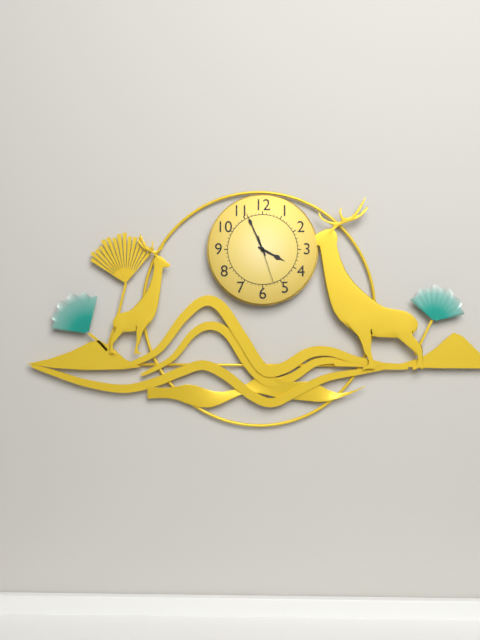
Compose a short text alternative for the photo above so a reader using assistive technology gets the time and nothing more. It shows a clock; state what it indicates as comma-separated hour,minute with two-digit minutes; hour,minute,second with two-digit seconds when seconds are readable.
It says 3,56
